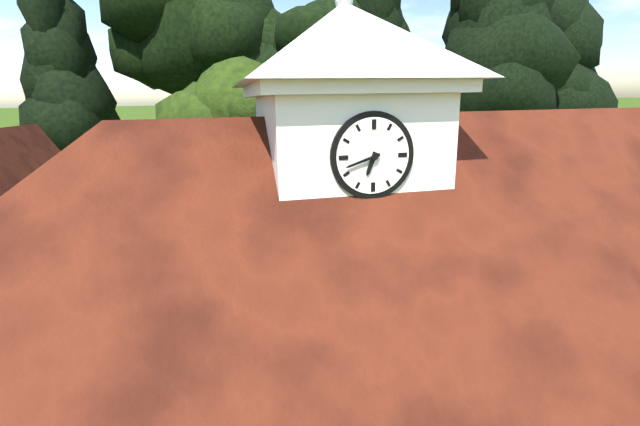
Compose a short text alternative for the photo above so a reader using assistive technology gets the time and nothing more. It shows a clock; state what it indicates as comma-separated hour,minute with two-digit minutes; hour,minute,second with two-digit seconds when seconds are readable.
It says 6,42
